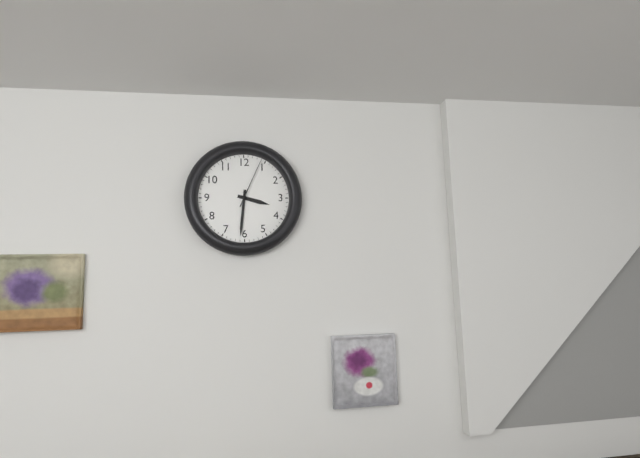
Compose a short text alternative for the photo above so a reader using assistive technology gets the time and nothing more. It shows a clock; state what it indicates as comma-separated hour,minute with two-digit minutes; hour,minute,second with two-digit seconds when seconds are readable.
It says 3,31,04
